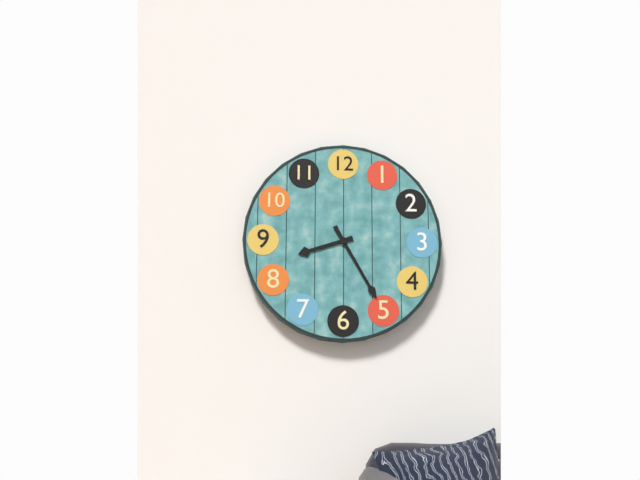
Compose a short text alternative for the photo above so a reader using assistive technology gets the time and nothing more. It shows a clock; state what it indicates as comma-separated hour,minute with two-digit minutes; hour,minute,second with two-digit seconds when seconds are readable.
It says 8,25
